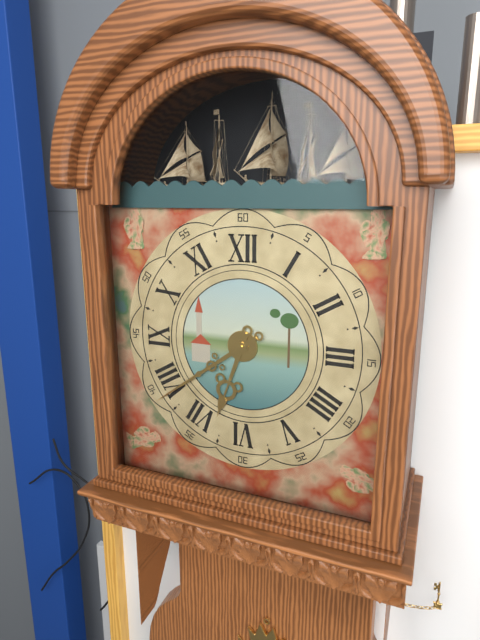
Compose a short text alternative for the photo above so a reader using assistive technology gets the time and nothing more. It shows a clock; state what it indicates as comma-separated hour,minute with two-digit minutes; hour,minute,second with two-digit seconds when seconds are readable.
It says 6,39
